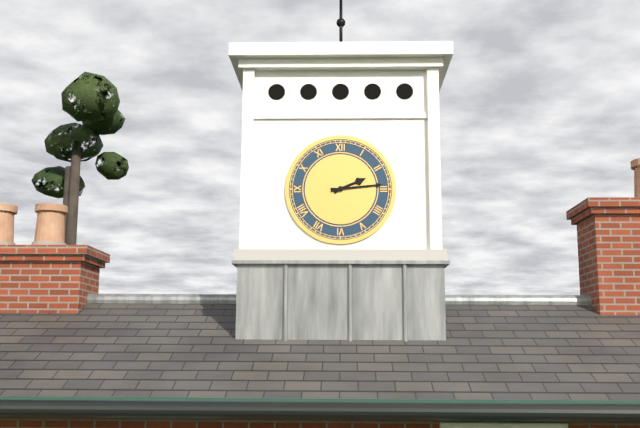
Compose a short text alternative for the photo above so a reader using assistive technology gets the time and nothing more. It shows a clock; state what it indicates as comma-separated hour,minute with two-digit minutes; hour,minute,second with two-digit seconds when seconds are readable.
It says 2,14
